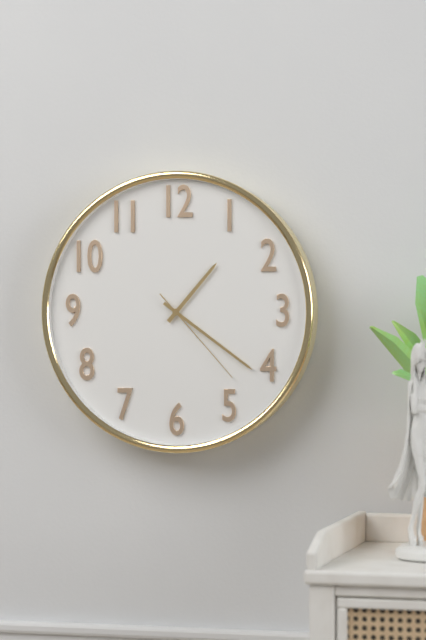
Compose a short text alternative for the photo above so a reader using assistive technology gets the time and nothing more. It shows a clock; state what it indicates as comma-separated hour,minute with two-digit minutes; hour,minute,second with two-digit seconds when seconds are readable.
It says 1,21,23
